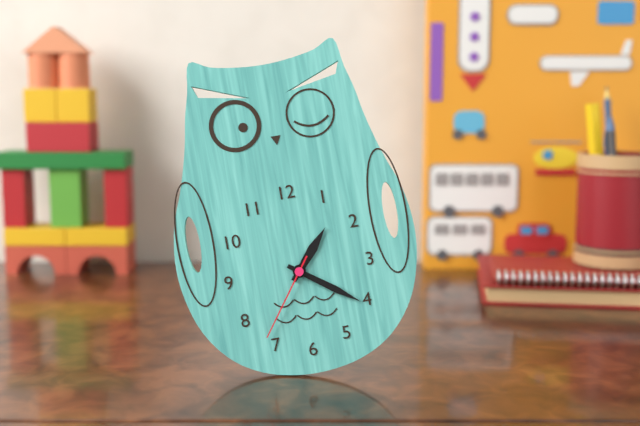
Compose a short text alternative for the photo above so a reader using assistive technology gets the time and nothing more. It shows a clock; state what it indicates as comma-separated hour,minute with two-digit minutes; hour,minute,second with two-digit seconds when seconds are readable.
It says 1,21,36
